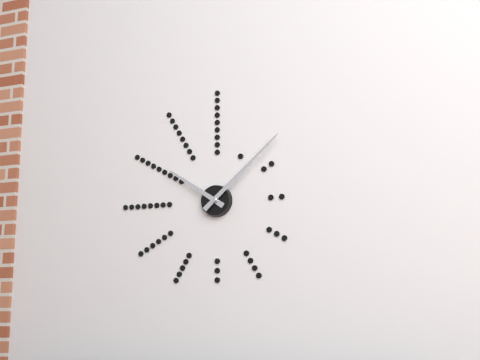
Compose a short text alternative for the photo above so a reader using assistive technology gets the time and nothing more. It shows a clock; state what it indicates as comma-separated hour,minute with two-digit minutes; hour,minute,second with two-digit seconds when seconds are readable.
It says 10,08
